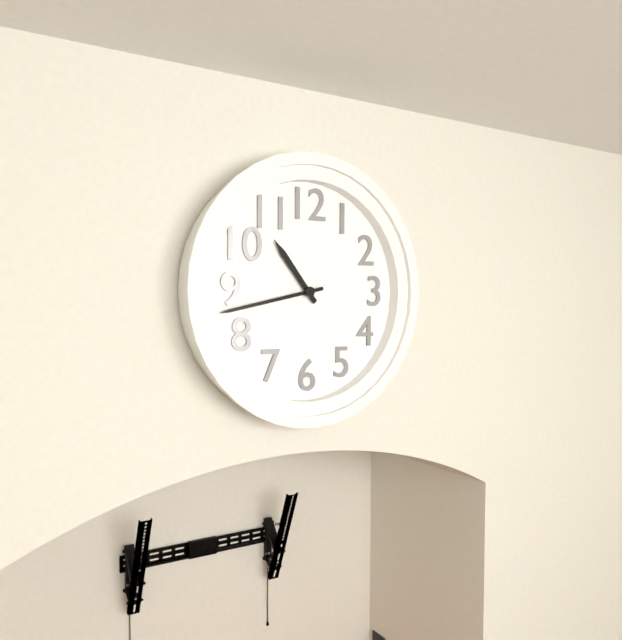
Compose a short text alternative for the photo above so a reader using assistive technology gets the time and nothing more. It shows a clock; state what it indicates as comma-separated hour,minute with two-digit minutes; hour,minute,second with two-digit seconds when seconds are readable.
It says 10,43
